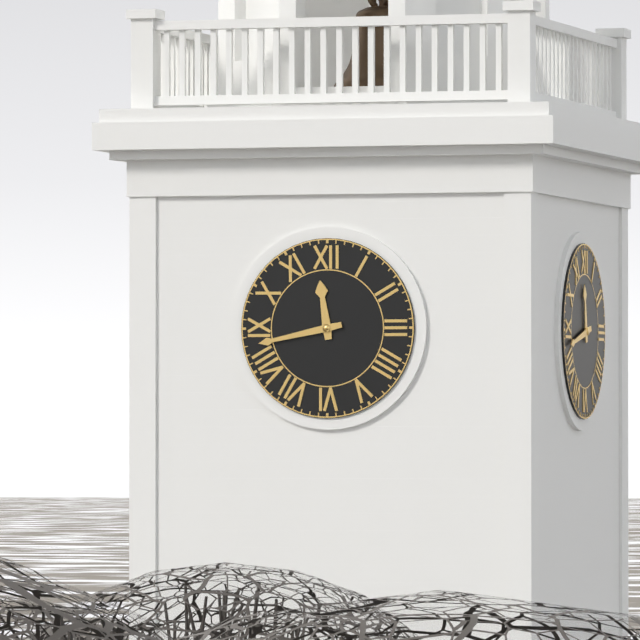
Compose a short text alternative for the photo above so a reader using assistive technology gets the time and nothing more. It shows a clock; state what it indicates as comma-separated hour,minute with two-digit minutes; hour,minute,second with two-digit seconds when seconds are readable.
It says 11,43
